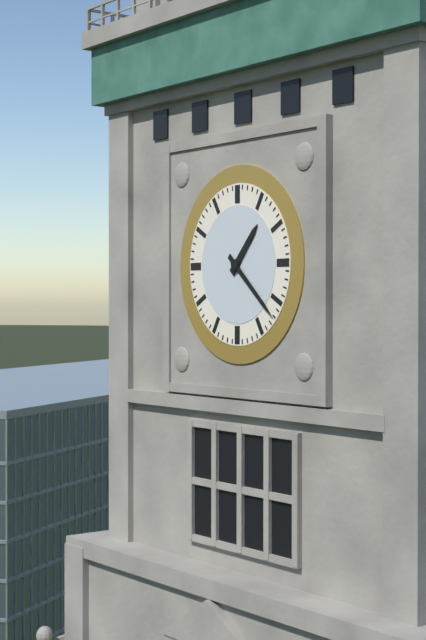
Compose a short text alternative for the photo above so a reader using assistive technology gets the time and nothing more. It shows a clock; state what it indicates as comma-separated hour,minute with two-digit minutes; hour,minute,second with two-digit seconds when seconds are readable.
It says 1,22
